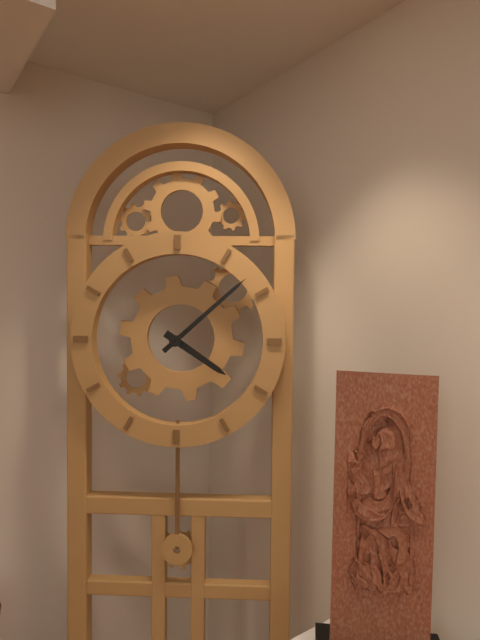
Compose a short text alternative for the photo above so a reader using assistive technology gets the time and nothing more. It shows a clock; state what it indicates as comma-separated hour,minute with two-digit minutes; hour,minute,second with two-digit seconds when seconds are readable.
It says 4,08
